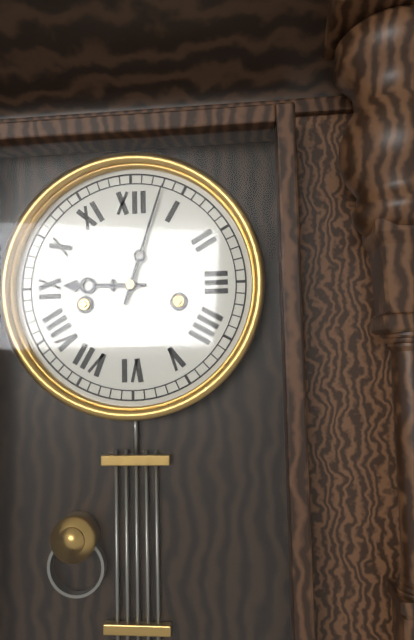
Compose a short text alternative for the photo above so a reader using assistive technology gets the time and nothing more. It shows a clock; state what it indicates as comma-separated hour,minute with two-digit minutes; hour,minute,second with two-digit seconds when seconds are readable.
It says 9,03
